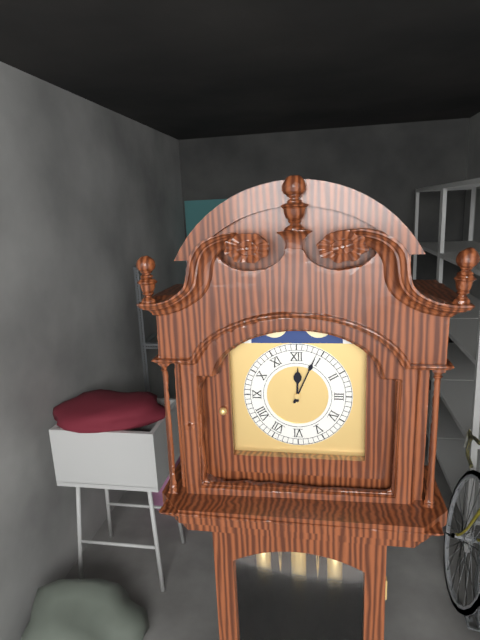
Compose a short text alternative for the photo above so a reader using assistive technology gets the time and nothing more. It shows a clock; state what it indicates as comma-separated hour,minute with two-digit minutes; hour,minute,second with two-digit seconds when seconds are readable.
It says 12,04
